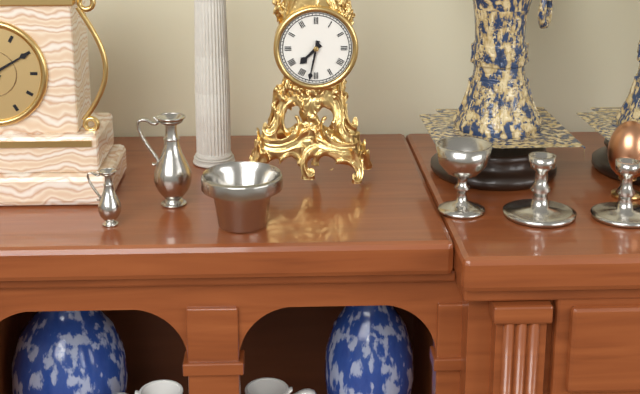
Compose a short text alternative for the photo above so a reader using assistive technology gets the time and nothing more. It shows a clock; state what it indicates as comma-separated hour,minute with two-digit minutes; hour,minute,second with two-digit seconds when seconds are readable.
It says 7,32
